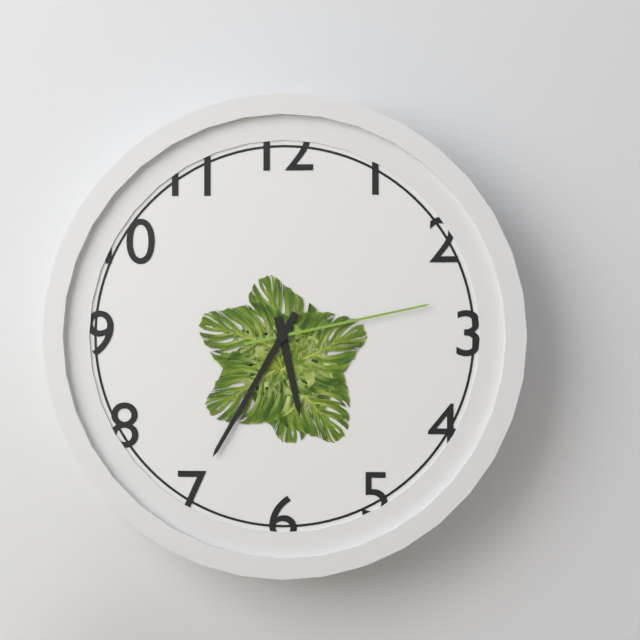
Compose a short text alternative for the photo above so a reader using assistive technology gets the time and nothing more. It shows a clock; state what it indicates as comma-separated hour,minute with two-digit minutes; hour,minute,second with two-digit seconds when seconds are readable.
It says 5,35,13
